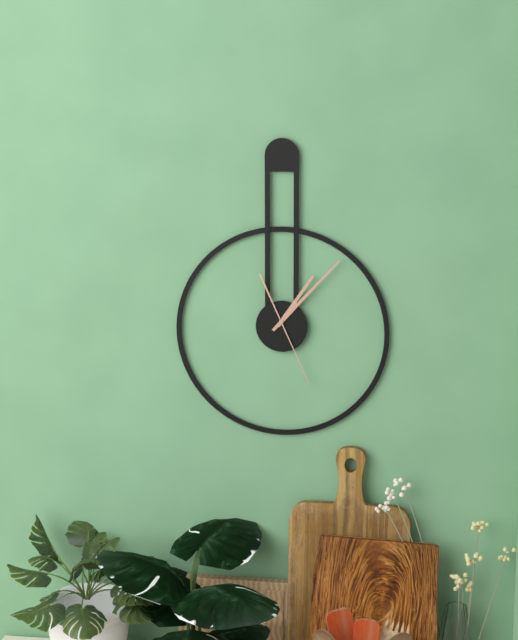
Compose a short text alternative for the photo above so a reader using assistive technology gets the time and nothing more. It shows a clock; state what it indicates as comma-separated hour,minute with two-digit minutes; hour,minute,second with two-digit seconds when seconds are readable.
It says 1,07,26
